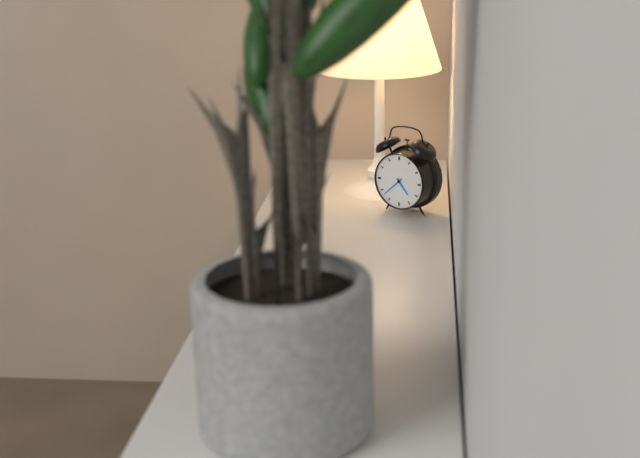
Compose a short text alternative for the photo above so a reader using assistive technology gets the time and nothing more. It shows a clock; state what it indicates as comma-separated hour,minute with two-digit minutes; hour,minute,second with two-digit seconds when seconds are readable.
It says 4,38
